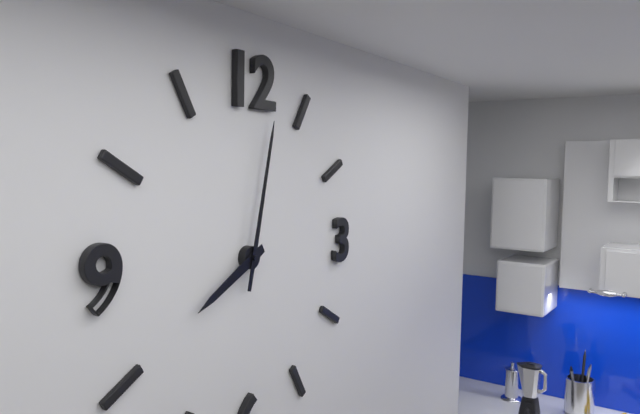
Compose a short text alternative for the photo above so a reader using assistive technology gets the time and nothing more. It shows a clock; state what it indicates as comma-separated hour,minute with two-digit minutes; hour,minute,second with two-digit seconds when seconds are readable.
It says 8,02
